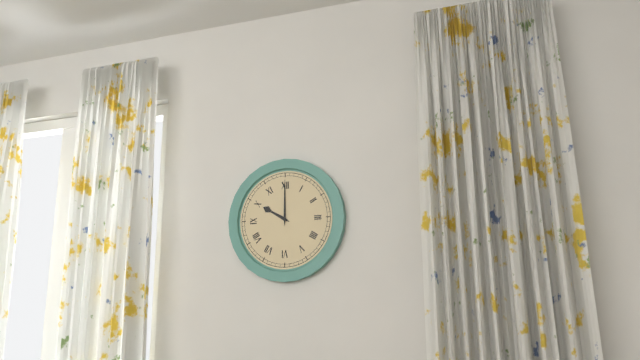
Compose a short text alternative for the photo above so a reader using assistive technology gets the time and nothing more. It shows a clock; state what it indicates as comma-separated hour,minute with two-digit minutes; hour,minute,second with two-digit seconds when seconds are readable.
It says 10,00
